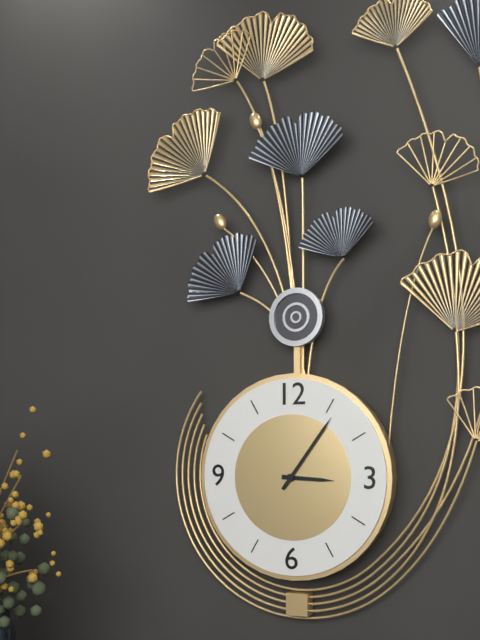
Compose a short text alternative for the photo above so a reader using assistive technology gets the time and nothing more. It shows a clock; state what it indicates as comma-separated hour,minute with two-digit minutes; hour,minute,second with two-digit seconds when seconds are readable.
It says 3,06
